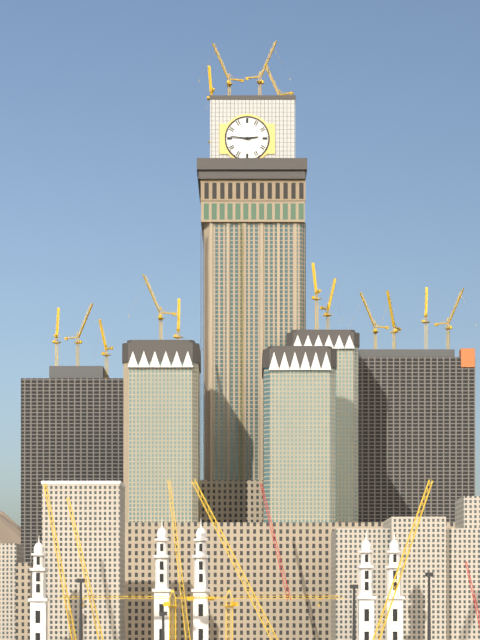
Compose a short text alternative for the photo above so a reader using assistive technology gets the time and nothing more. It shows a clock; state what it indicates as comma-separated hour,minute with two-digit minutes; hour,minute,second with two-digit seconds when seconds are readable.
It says 2,46
